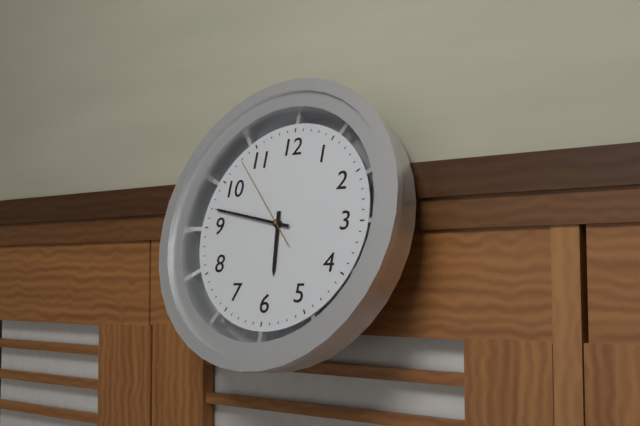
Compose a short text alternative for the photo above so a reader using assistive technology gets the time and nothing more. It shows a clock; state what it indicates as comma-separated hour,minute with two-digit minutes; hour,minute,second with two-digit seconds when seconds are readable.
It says 5,47,53
